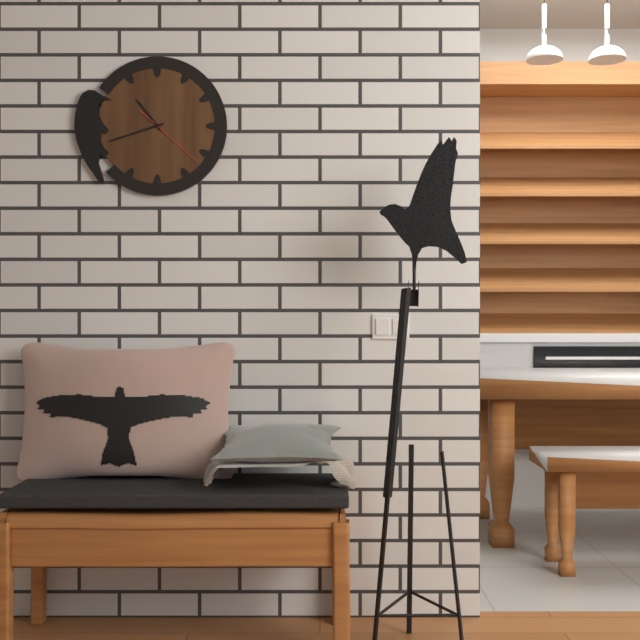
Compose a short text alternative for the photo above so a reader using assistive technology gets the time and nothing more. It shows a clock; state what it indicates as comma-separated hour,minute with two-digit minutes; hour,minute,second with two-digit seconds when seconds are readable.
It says 10,42,22
